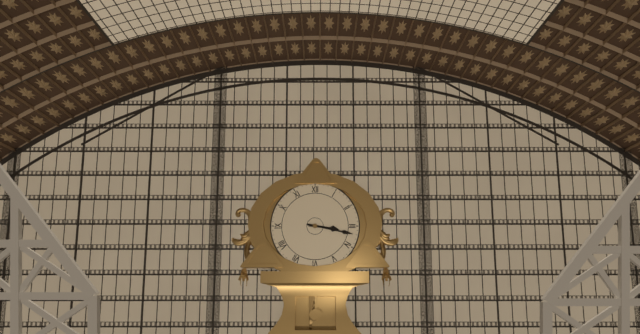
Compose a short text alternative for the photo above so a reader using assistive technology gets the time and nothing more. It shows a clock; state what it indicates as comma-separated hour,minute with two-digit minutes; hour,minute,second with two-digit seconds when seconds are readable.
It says 3,17
